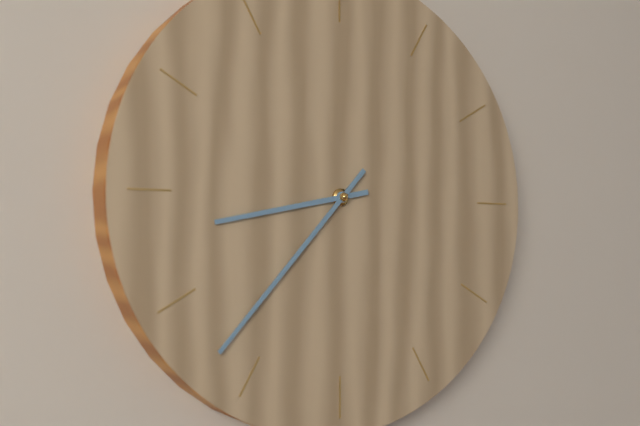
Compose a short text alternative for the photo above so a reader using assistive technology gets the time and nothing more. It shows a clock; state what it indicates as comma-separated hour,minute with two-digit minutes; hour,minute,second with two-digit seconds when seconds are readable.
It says 8,37
